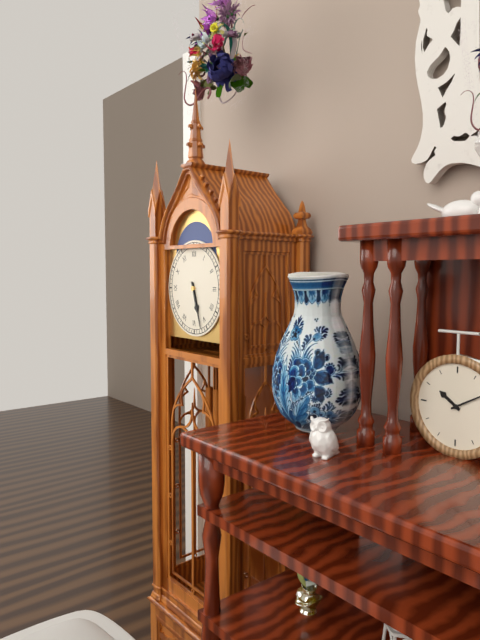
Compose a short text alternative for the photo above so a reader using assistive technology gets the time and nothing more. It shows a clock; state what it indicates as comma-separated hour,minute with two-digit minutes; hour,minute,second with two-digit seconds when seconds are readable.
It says 5,27
